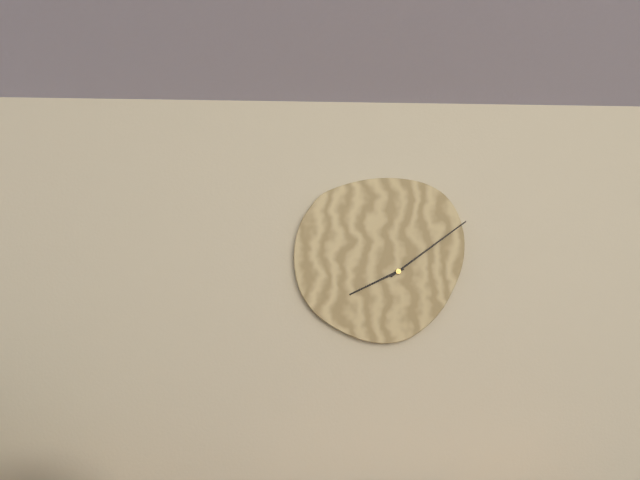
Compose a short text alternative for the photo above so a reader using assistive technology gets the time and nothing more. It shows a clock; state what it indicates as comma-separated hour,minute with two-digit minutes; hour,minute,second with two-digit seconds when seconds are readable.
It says 8,09
